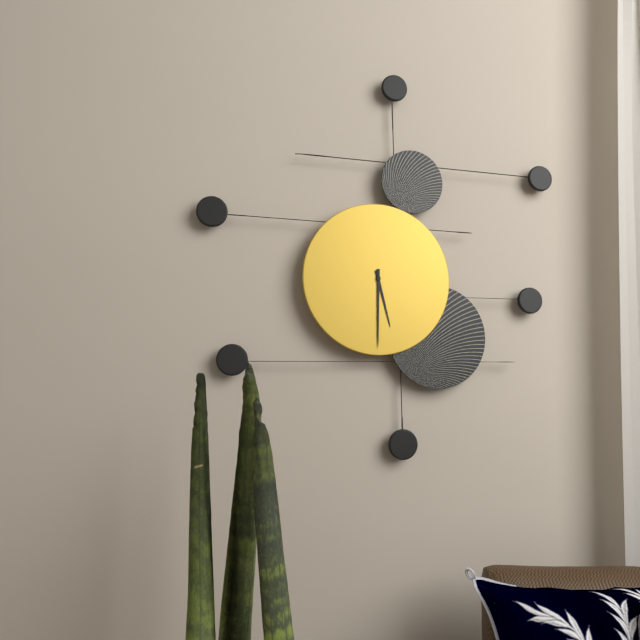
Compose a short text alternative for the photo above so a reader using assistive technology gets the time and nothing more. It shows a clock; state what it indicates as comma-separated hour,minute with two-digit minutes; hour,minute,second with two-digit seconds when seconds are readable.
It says 5,30
